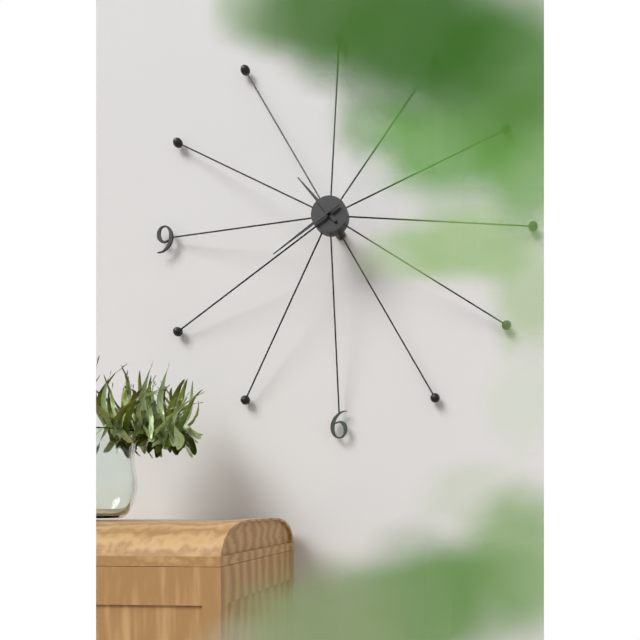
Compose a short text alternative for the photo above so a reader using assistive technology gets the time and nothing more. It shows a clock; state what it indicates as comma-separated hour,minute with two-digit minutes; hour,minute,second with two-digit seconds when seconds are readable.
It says 10,39
